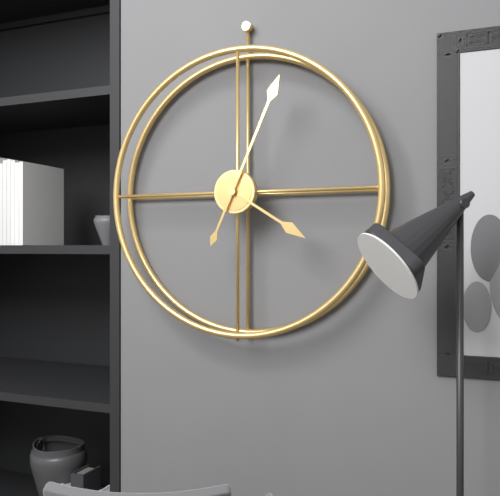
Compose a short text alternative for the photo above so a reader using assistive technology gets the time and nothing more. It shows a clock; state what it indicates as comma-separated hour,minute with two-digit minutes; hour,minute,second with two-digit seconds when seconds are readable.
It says 4,04
